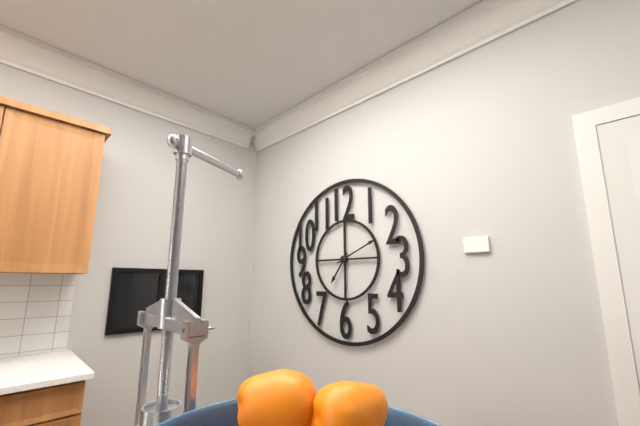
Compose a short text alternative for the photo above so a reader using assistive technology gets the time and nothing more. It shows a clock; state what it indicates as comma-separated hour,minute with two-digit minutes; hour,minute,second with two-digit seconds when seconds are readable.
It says 7,11
